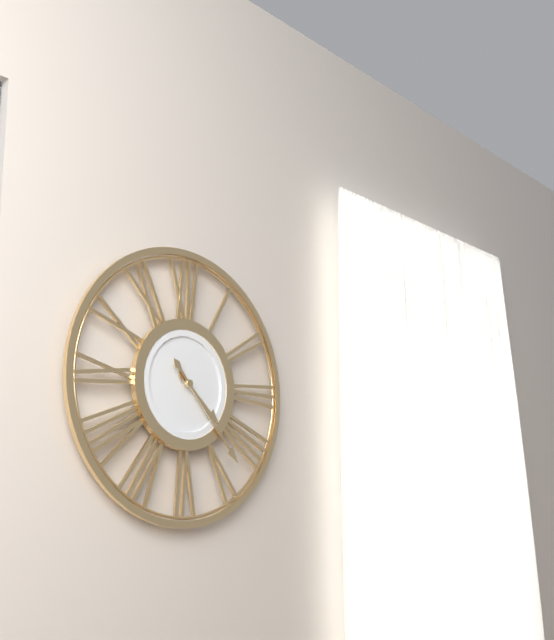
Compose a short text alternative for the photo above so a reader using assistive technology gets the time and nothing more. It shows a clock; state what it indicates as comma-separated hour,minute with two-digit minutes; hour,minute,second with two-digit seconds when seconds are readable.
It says 4,23
